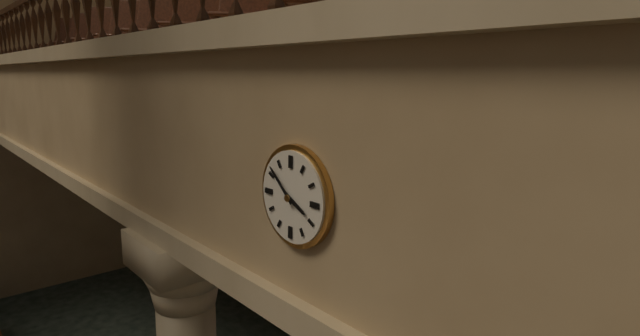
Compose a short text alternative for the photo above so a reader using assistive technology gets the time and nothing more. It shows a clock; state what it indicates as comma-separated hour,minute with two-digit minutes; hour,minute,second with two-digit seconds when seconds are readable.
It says 3,52
